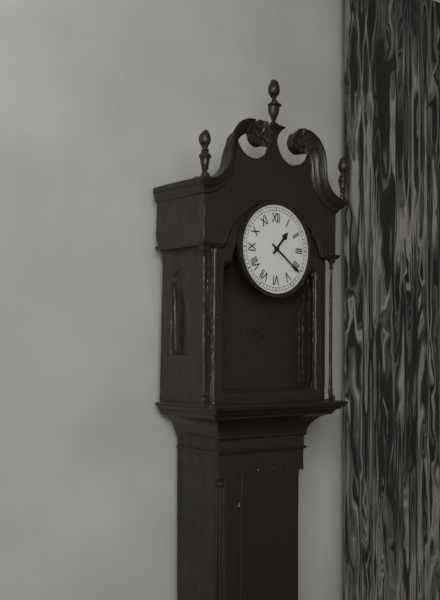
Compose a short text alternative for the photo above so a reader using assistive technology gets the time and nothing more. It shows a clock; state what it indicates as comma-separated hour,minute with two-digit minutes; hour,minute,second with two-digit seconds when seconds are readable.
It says 1,21
